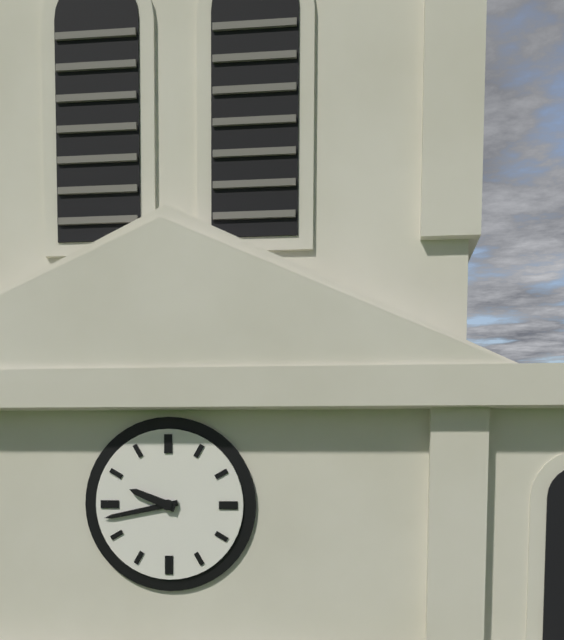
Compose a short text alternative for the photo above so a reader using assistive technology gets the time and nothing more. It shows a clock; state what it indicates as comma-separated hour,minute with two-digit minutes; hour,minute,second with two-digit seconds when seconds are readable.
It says 9,43
